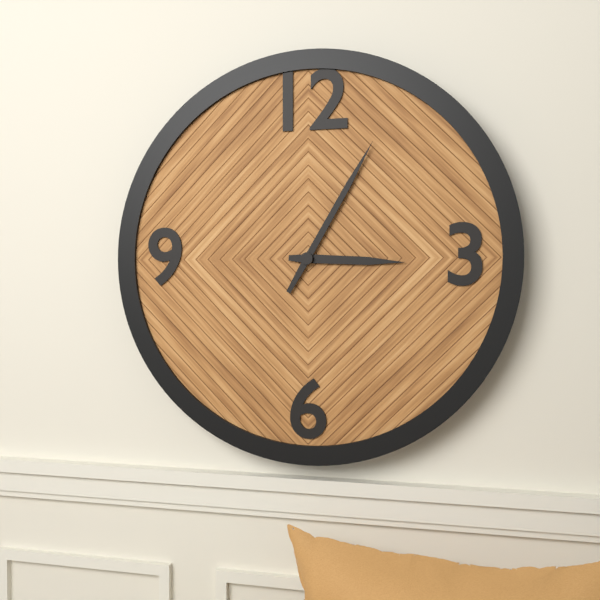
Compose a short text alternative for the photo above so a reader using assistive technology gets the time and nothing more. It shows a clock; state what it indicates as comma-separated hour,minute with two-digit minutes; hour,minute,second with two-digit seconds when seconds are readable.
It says 3,05
